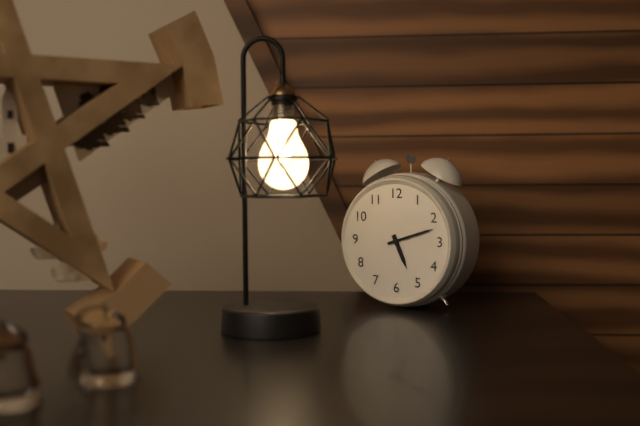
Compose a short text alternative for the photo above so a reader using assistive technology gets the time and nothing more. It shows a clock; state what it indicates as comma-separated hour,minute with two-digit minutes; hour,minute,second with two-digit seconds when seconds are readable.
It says 5,12
